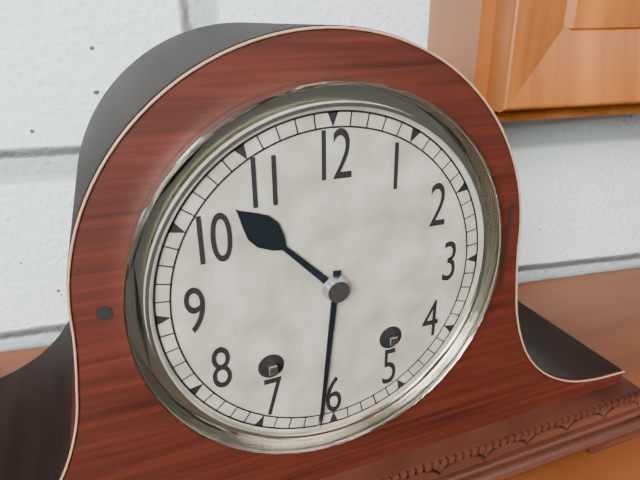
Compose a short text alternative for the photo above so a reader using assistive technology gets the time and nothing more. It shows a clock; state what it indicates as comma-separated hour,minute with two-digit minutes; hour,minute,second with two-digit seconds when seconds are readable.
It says 10,31
